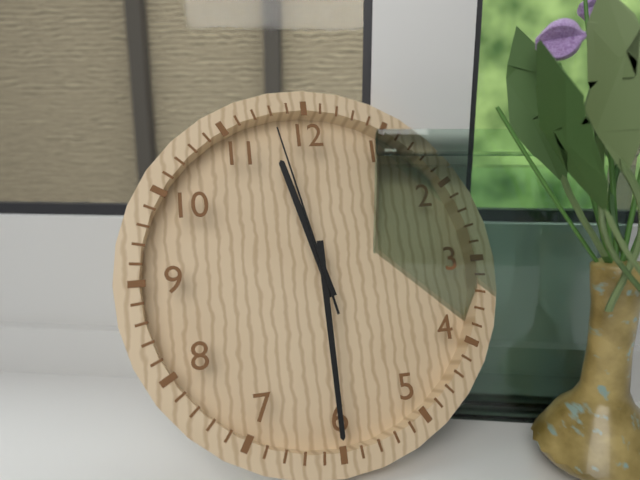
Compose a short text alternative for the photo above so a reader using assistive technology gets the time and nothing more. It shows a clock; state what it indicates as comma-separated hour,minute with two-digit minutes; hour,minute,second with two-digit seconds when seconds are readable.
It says 11,30,58
